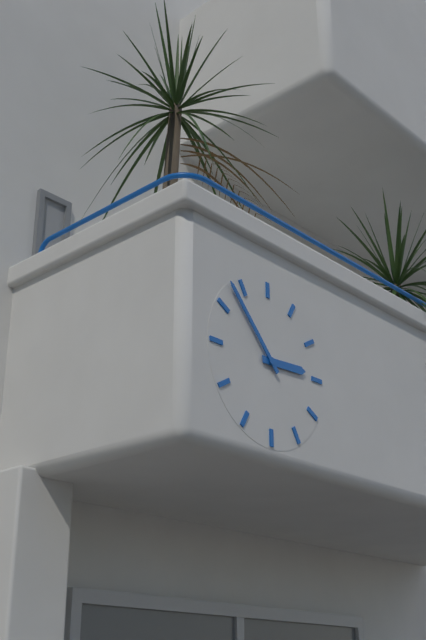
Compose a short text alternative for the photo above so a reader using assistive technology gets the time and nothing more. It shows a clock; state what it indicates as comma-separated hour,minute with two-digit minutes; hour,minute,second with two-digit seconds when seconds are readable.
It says 2,53
